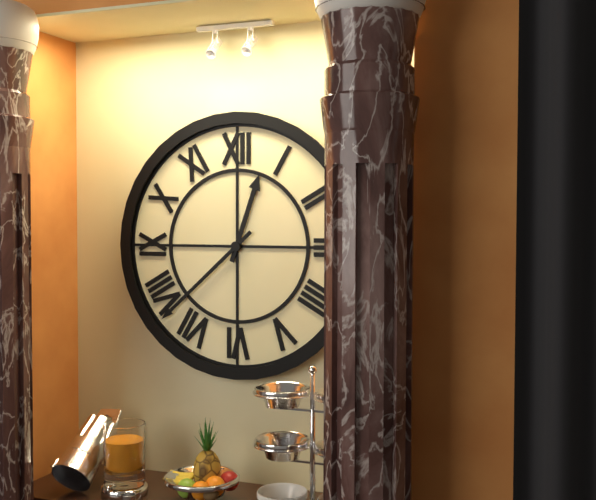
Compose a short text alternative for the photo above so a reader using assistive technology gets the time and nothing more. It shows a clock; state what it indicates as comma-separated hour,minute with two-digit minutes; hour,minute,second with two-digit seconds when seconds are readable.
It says 12,38
